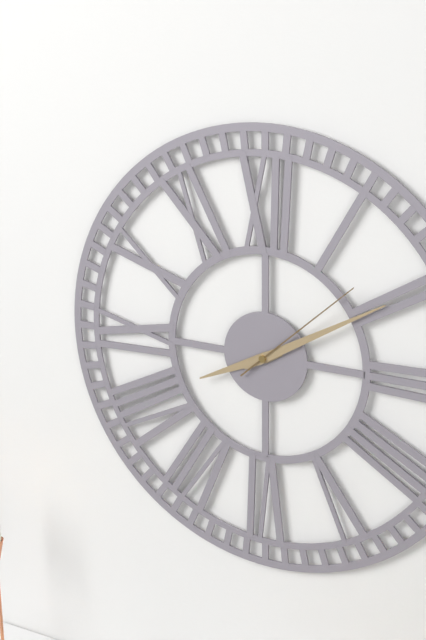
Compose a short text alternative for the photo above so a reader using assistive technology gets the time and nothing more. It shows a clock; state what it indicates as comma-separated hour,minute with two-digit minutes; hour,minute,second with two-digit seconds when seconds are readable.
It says 8,10,08
